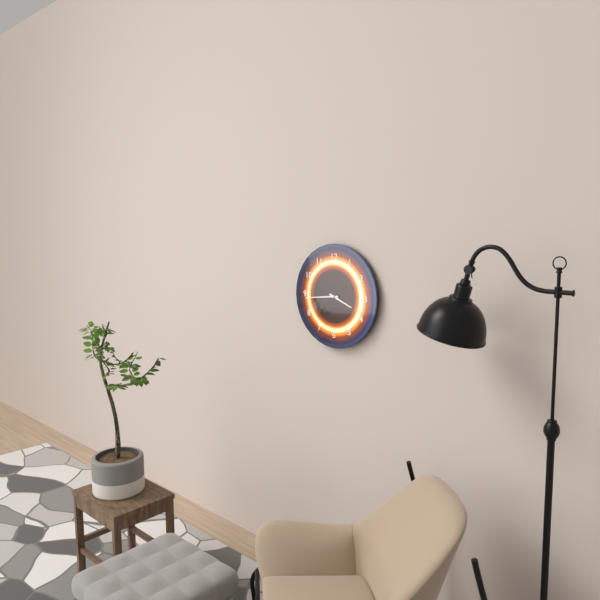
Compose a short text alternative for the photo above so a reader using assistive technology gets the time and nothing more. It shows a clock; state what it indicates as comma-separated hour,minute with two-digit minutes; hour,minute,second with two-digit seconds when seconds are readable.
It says 3,44
